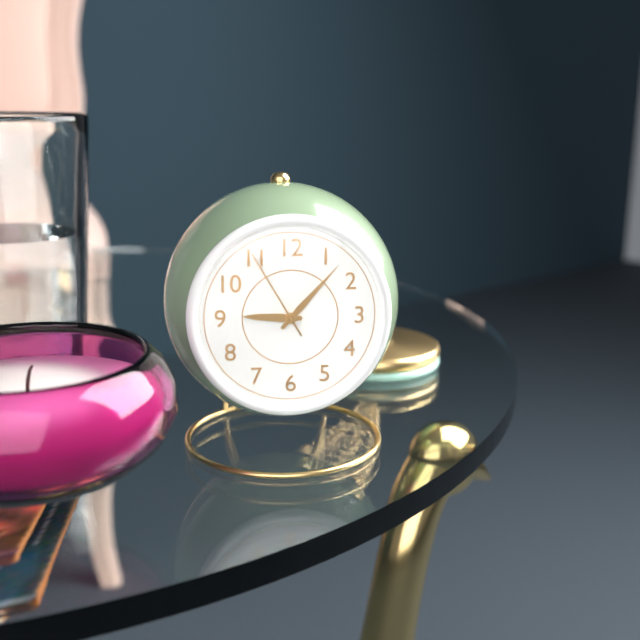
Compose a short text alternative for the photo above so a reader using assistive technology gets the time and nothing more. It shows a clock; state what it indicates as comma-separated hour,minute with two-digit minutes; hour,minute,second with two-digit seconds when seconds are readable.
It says 9,07,55
